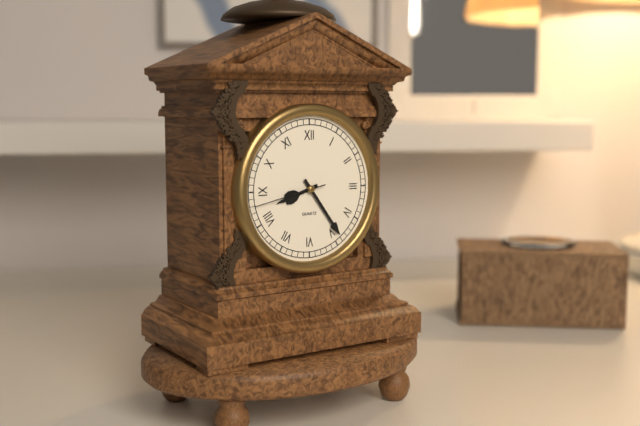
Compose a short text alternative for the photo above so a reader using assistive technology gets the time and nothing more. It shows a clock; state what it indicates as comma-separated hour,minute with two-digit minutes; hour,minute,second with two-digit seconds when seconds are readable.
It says 8,24,43
